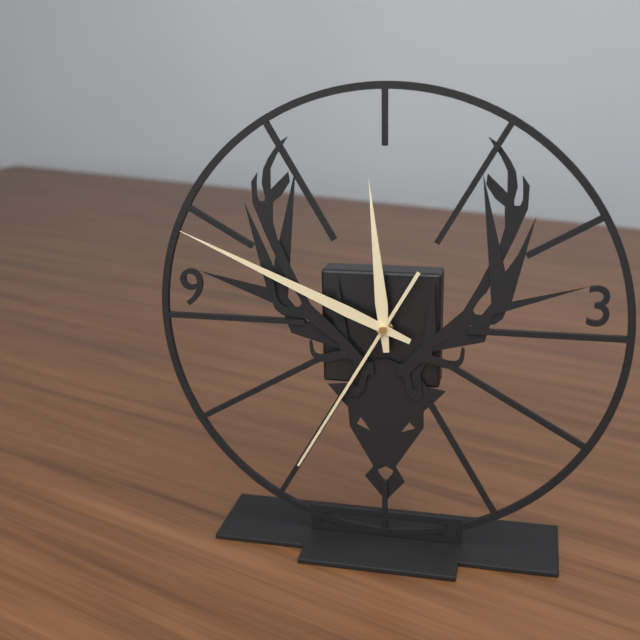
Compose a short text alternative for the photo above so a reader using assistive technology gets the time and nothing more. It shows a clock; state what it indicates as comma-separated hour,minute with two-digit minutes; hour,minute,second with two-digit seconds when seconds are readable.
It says 11,49,35
